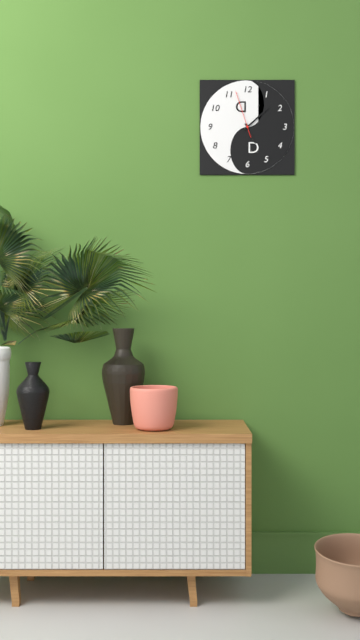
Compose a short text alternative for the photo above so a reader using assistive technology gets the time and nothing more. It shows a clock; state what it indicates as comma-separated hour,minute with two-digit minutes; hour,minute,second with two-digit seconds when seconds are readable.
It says 5,08
